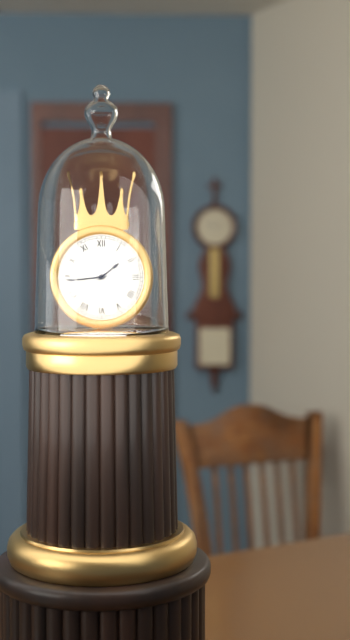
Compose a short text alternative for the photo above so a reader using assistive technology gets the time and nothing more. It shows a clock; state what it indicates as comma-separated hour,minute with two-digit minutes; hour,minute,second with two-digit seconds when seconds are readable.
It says 1,44
